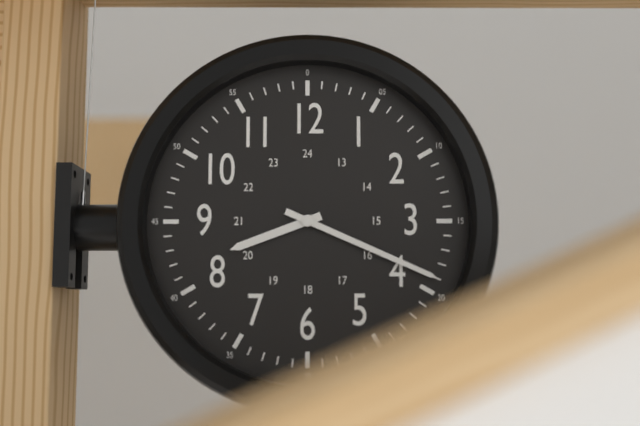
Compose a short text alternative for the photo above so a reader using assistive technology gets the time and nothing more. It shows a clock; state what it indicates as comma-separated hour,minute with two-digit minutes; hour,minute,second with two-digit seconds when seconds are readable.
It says 8,19
